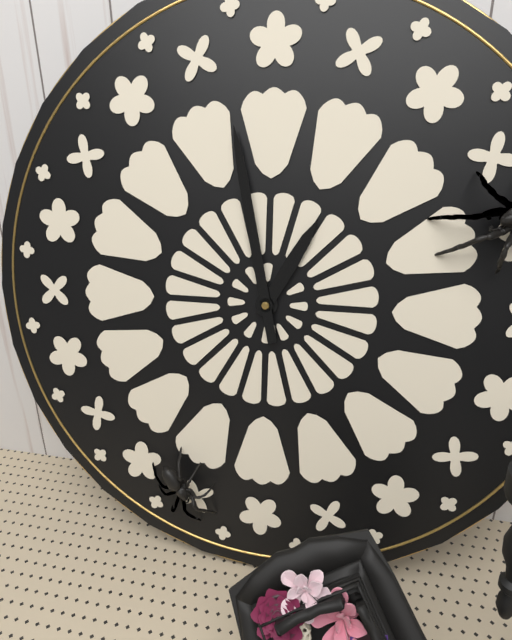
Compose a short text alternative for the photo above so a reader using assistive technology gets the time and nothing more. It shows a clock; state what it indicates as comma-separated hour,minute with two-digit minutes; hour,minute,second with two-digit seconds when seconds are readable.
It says 12,58
